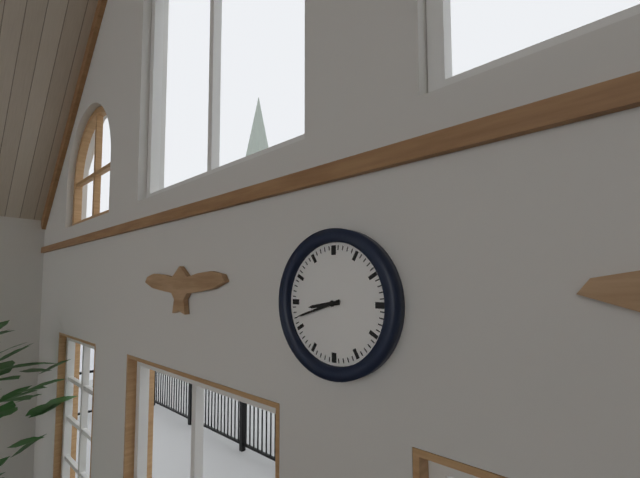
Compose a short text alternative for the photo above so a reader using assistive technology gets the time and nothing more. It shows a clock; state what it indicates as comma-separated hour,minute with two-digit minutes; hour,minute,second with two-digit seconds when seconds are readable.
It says 8,42
